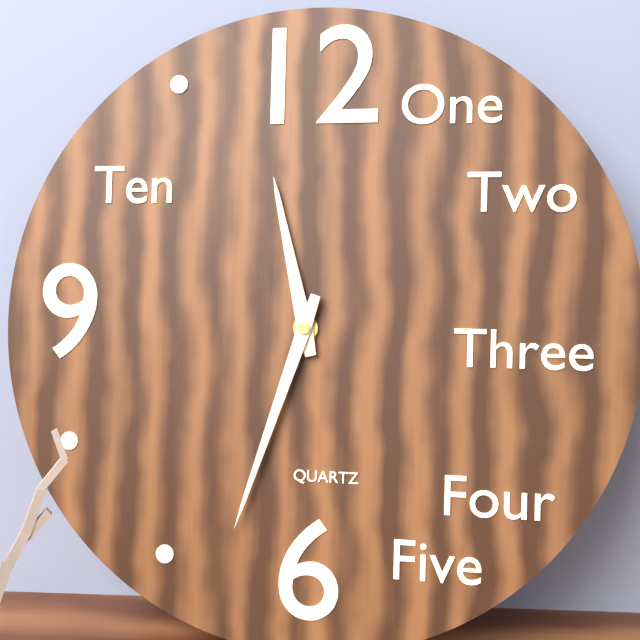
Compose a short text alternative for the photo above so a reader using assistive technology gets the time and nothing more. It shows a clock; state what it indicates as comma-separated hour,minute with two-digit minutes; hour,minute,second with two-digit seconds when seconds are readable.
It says 11,33
